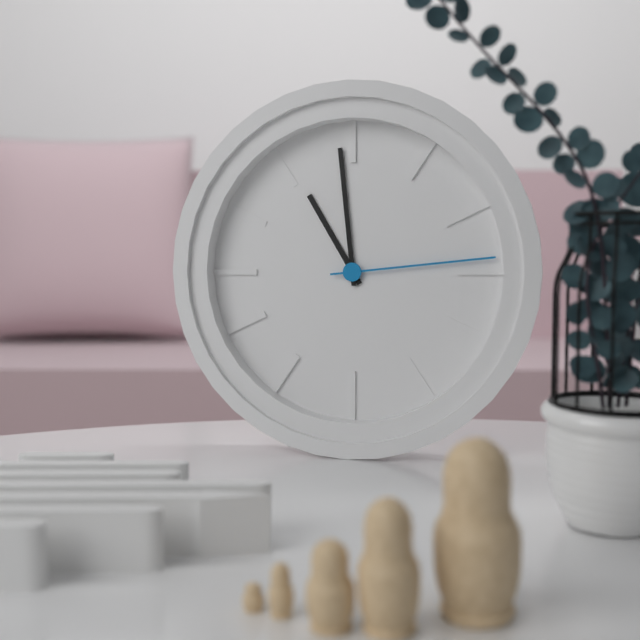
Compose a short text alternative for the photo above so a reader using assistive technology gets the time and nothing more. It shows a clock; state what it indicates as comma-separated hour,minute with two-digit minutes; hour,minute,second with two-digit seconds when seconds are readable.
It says 10,59,14
